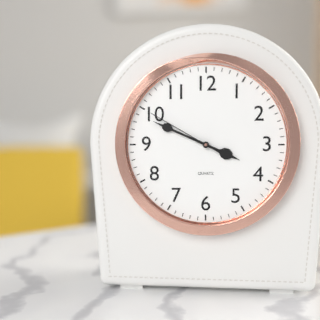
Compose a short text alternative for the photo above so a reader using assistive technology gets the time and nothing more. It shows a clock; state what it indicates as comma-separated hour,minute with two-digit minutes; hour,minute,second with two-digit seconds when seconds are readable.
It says 3,49,50
